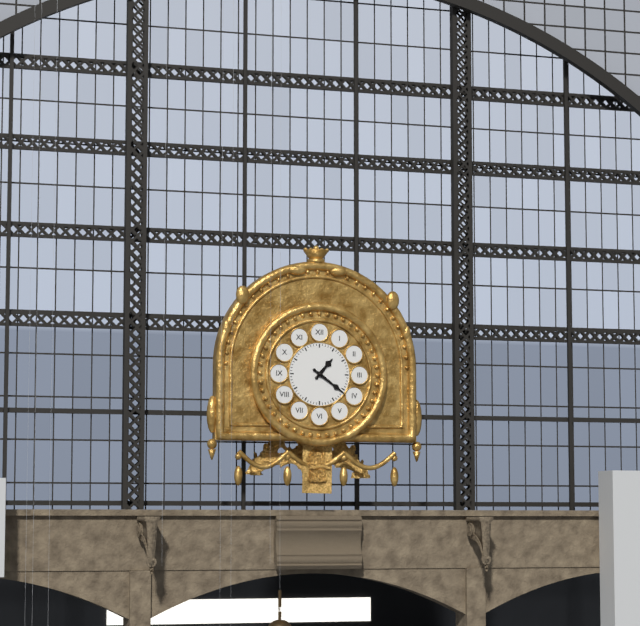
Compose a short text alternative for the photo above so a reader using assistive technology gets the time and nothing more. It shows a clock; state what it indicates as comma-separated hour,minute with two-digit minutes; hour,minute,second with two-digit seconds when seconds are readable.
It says 1,21
